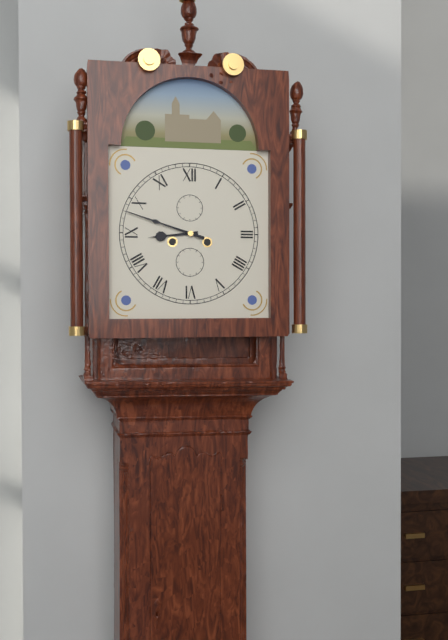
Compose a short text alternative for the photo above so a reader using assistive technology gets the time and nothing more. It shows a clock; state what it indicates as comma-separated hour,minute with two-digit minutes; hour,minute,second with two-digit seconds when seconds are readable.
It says 8,48
